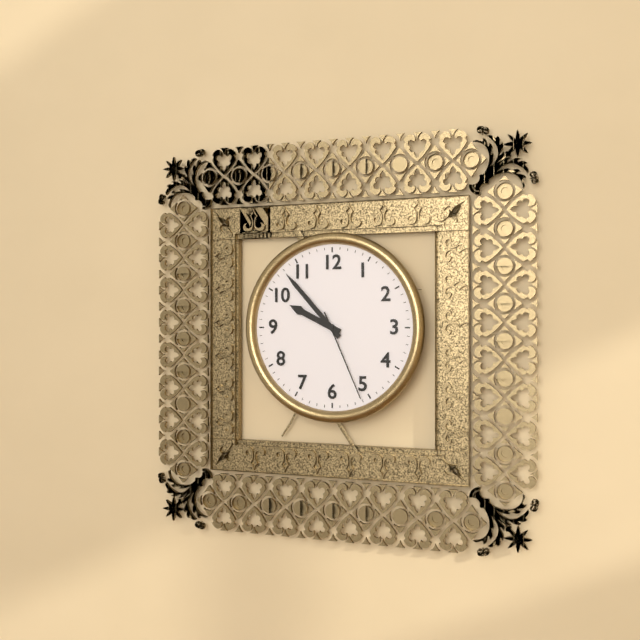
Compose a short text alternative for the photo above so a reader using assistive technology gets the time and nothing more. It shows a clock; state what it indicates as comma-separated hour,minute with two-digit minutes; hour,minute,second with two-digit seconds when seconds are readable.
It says 9,53,26
